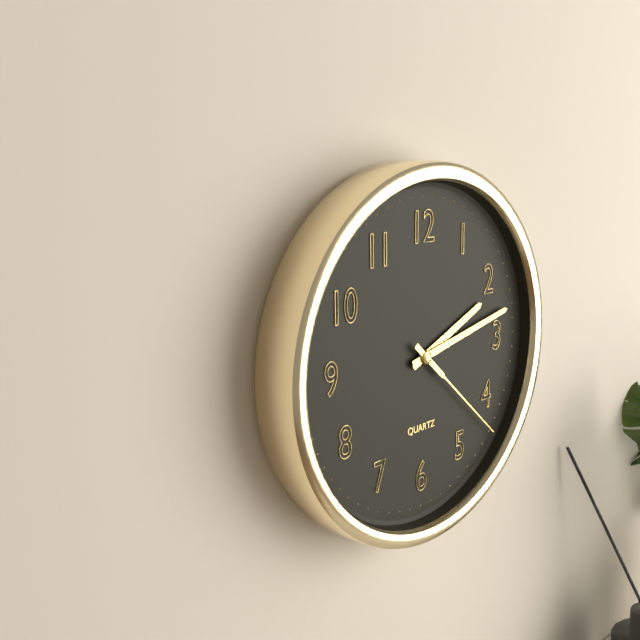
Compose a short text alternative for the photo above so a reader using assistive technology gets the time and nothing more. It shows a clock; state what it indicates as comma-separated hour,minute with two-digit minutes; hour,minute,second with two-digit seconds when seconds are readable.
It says 2,13,22
